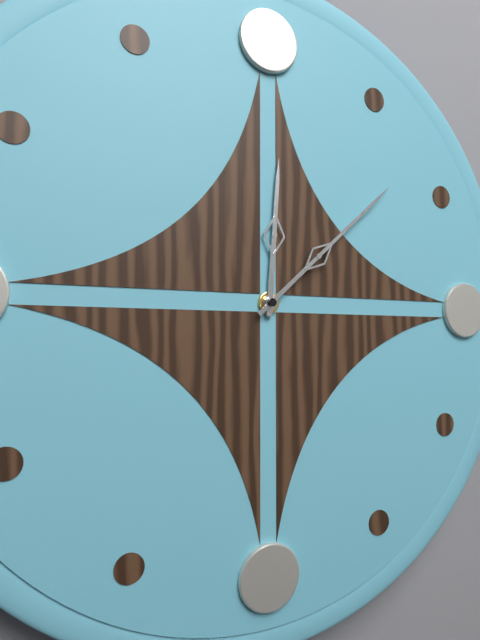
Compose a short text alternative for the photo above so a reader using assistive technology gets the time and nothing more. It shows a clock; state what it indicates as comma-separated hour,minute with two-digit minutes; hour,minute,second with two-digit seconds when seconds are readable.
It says 12,08
